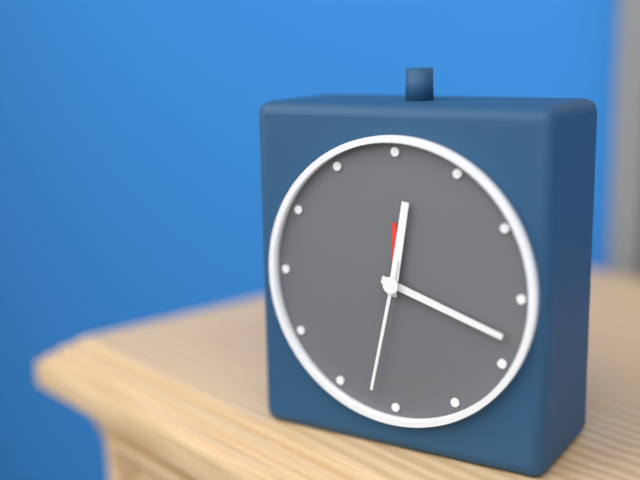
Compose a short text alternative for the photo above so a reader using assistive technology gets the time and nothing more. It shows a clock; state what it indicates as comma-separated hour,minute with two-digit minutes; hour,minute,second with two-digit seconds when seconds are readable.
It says 12,18,32
